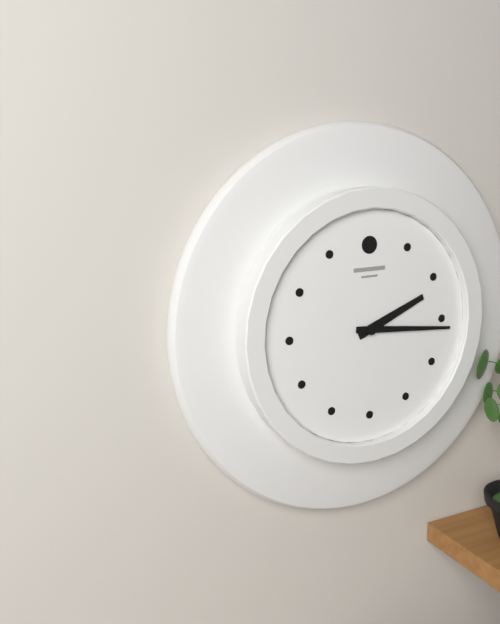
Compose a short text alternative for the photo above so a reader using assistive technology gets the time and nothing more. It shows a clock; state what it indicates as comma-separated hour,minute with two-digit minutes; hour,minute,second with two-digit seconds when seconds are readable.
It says 2,16
